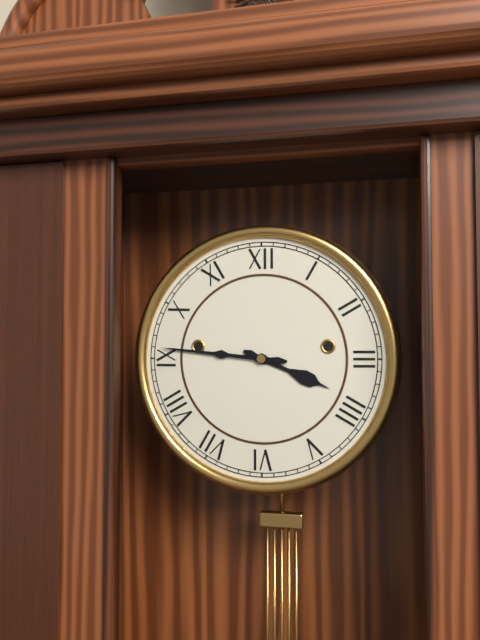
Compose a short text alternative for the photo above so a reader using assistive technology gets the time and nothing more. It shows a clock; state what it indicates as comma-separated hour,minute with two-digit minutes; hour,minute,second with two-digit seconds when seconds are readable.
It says 3,46
